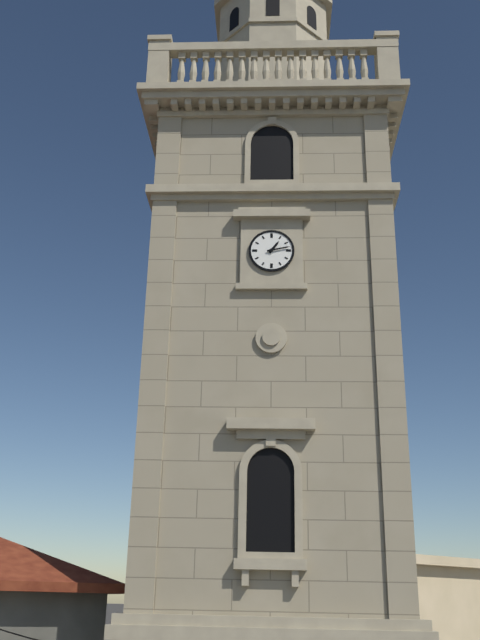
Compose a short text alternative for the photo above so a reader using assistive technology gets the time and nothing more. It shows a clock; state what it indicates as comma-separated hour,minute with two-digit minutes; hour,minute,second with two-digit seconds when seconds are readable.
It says 1,13
